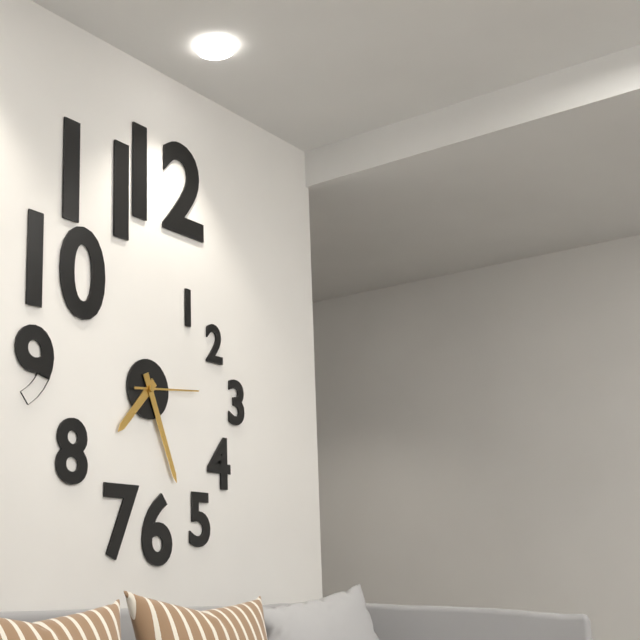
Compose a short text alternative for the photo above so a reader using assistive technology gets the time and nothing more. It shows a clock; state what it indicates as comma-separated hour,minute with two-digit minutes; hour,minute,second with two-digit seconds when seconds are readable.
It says 7,26,14
